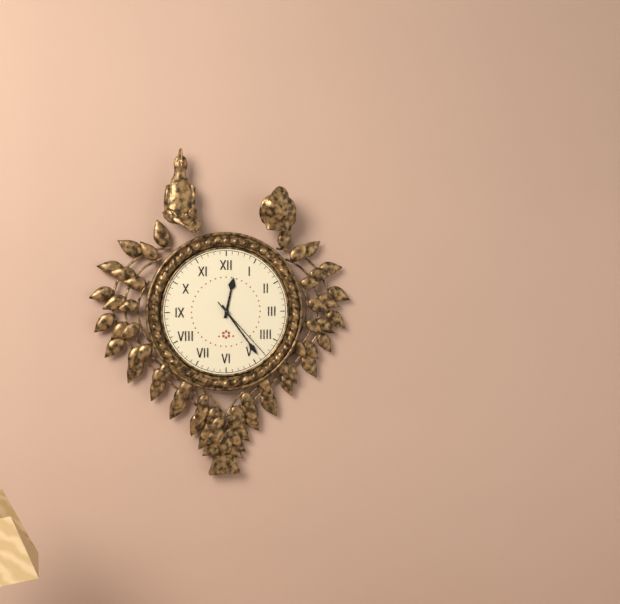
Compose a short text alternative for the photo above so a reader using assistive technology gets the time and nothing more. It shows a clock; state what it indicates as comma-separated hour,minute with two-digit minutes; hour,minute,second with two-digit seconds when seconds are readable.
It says 12,24,23
